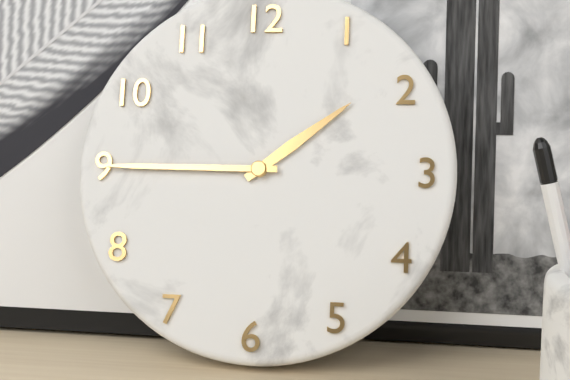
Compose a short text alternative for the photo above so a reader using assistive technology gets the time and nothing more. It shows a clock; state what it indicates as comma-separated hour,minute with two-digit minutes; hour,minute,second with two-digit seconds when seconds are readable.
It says 1,45
